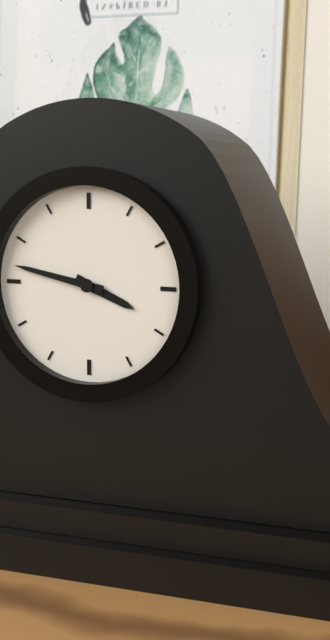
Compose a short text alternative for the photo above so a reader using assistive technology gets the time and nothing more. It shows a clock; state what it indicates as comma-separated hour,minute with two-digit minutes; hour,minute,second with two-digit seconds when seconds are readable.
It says 3,47
